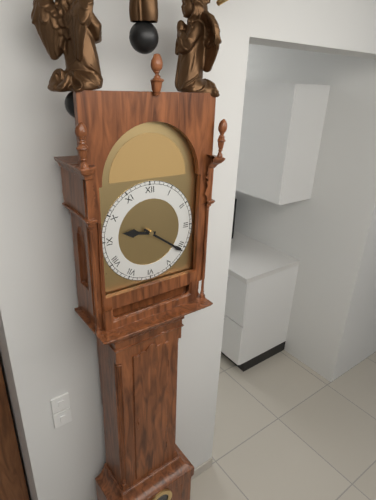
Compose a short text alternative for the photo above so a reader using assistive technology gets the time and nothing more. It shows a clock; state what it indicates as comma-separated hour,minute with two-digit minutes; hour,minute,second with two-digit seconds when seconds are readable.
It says 9,21
